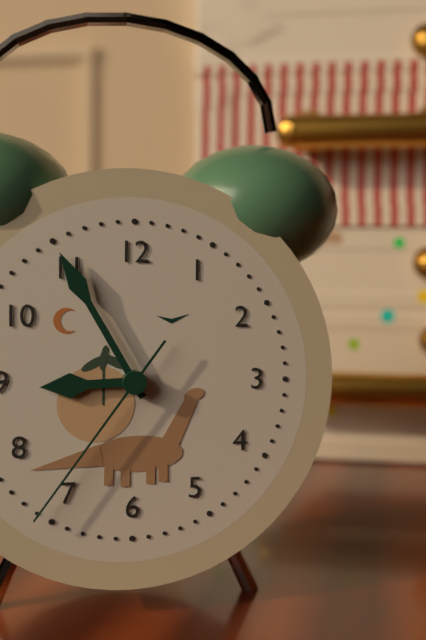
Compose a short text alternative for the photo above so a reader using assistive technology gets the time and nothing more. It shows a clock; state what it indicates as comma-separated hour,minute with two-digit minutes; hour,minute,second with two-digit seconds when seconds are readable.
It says 8,55,36
